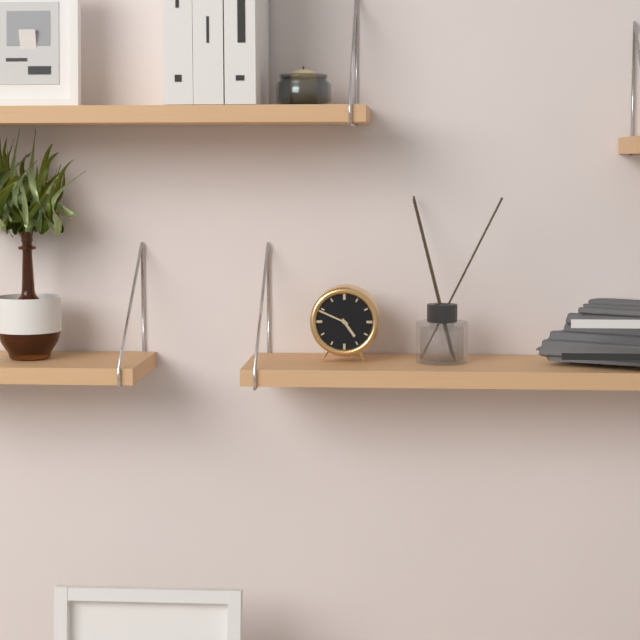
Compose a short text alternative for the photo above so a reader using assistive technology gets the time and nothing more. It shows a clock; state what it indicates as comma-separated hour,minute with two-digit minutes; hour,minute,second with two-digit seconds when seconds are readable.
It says 4,49
